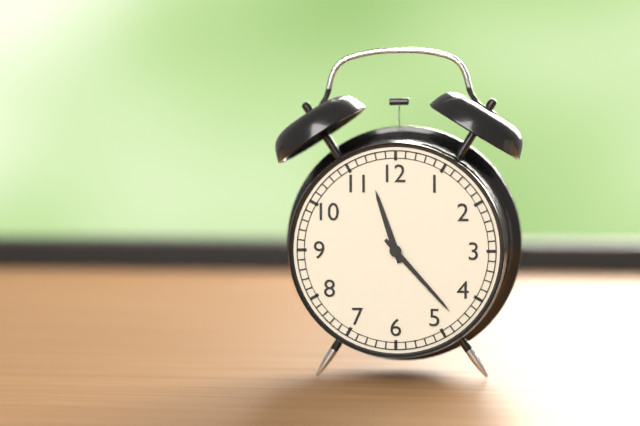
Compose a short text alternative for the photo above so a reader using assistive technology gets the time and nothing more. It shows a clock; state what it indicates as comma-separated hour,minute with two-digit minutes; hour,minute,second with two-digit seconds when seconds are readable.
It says 11,23
